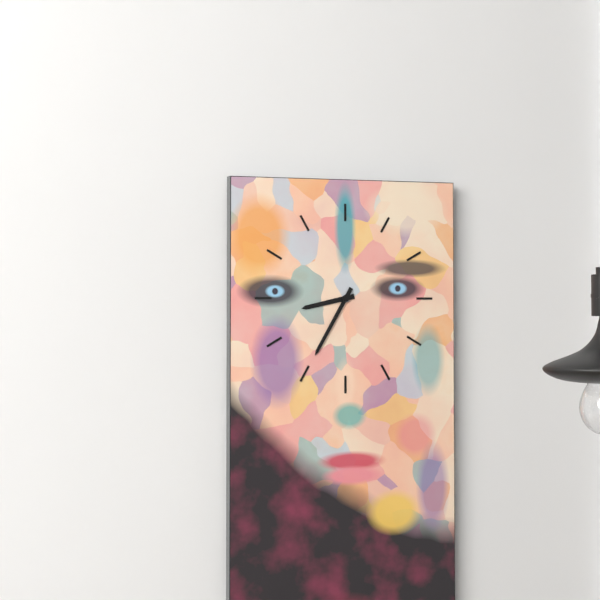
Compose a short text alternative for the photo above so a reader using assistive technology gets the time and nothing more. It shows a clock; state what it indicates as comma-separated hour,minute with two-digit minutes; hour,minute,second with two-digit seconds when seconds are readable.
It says 8,35
